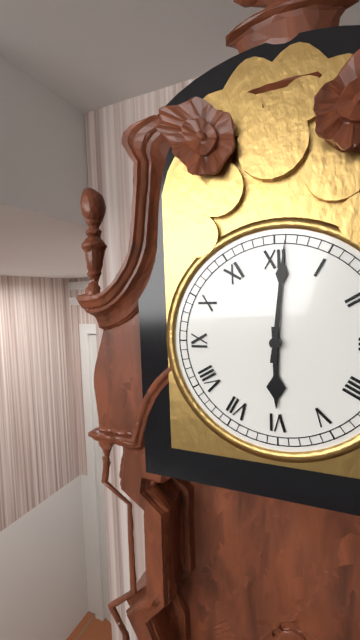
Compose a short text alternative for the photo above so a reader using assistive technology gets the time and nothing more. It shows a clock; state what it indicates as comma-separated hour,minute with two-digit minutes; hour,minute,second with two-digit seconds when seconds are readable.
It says 6,01
